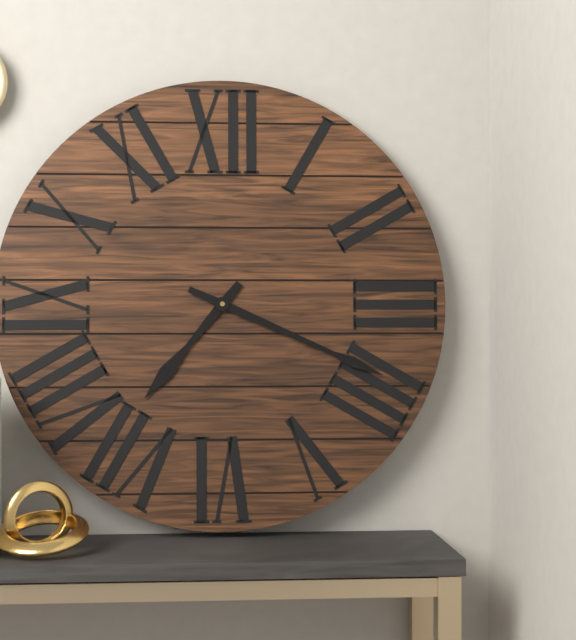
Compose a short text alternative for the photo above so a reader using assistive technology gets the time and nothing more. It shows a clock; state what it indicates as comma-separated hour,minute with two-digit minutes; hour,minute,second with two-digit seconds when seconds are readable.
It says 7,19
